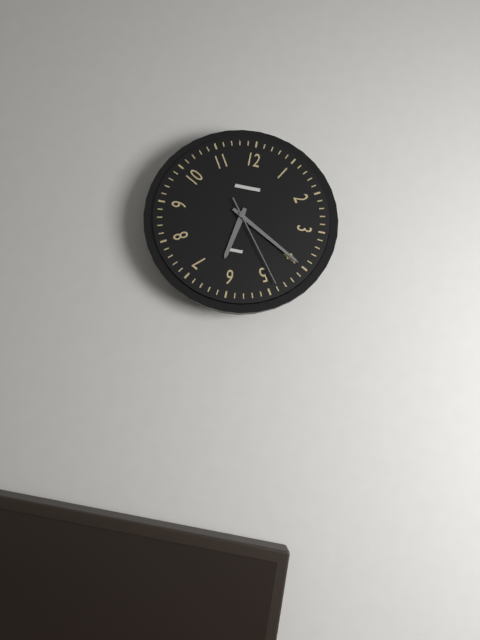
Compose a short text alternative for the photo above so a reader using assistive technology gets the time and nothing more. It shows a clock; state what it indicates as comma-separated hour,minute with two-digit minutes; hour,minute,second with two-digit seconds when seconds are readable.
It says 6,20,24
